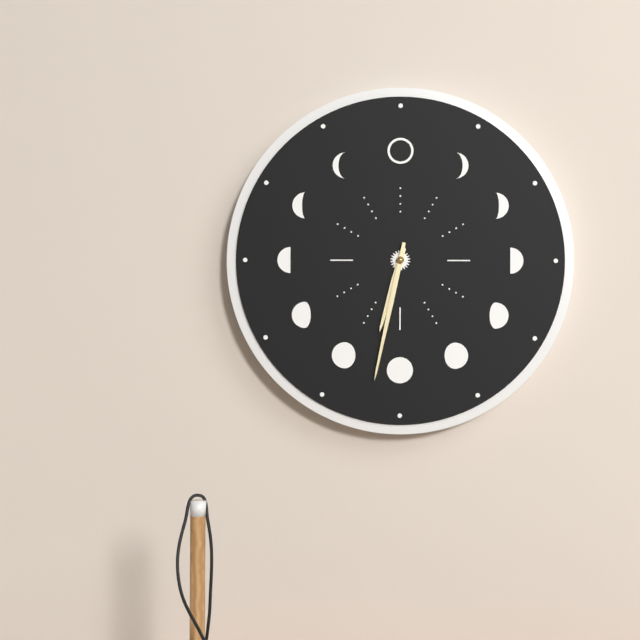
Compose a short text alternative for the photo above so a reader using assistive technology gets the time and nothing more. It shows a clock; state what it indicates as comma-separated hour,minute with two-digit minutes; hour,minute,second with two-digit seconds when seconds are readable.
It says 6,32
